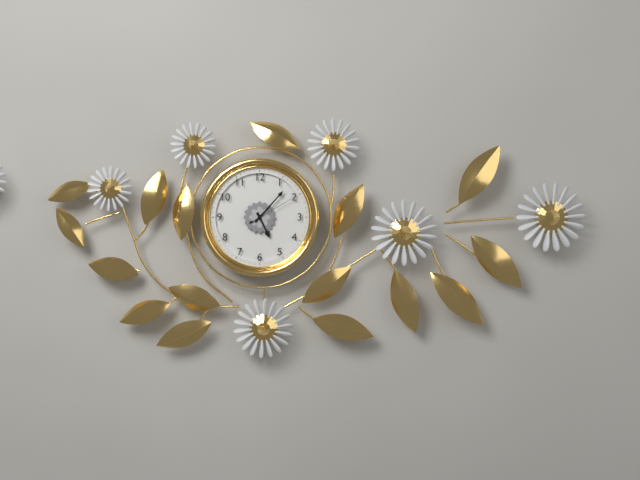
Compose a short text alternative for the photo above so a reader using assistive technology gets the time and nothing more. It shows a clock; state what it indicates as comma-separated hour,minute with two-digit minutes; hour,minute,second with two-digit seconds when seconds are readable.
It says 5,07,10
